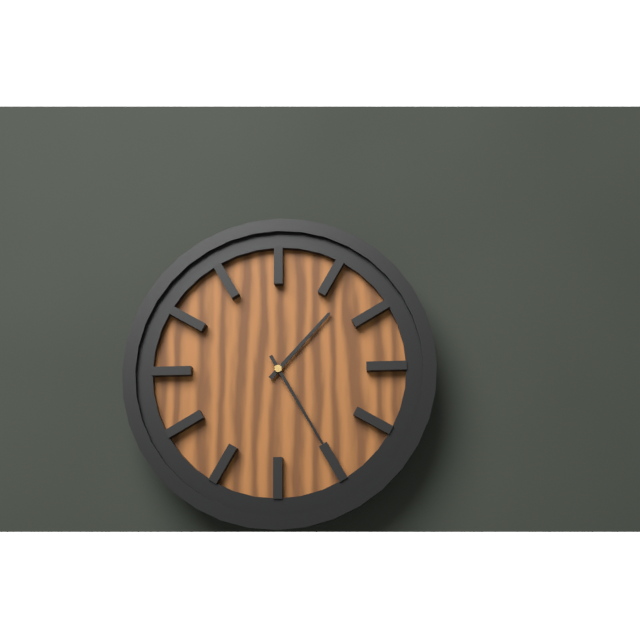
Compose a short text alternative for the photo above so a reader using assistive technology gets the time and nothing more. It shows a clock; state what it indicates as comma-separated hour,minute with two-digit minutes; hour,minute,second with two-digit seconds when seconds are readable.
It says 1,25
